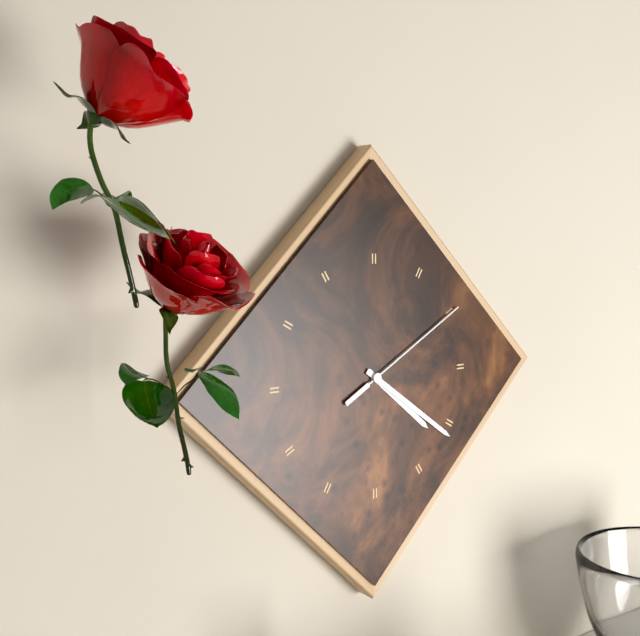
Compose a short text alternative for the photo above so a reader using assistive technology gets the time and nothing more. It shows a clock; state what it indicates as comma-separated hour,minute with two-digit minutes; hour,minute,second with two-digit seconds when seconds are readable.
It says 4,21,10
